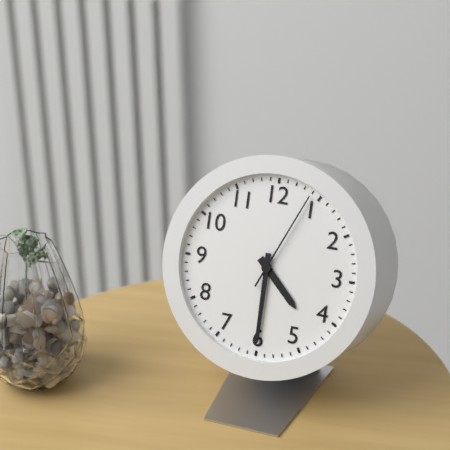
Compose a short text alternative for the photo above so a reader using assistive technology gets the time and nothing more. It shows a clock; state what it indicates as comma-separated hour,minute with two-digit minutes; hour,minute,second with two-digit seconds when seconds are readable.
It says 4,30,04
